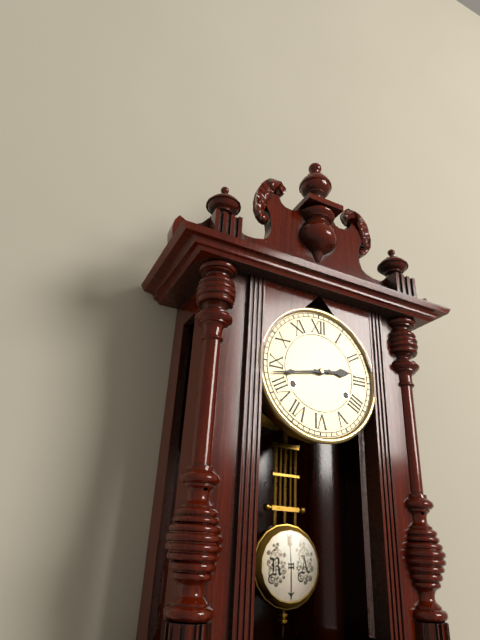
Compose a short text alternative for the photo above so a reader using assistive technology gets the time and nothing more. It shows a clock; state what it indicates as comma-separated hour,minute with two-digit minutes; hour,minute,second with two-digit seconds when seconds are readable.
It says 2,43
